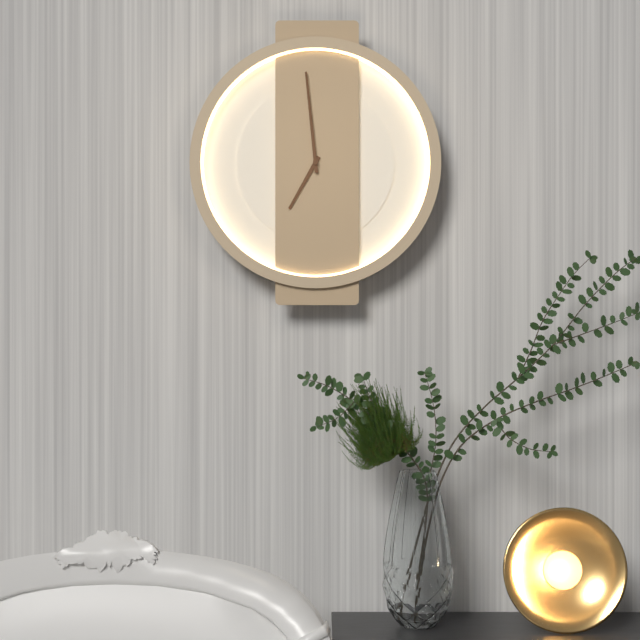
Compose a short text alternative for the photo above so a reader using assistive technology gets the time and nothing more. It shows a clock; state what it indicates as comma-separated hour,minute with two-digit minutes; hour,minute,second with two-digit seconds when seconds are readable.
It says 6,59
